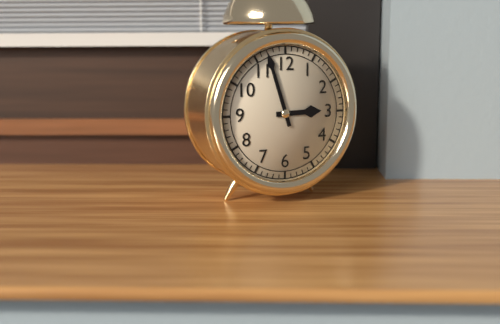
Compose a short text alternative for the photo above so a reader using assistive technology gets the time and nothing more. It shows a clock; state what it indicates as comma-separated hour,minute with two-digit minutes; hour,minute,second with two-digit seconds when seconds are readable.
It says 2,57
